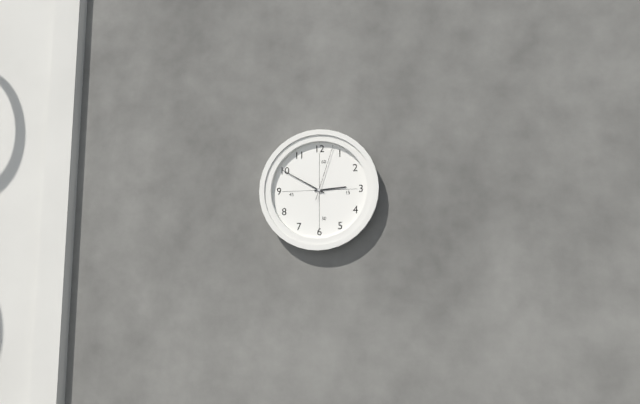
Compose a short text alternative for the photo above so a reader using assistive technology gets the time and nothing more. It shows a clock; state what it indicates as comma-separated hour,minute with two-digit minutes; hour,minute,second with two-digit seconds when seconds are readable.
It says 2,50,03
